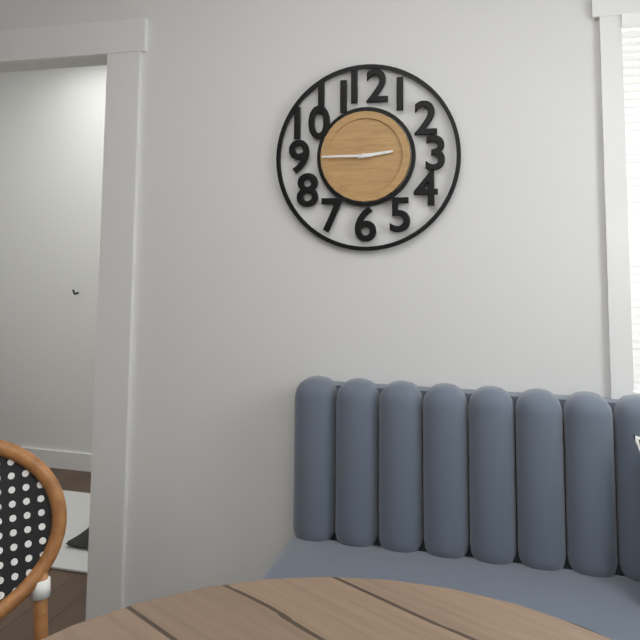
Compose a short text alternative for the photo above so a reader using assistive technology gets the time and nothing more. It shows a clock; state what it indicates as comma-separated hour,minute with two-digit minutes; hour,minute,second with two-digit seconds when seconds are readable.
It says 2,45
